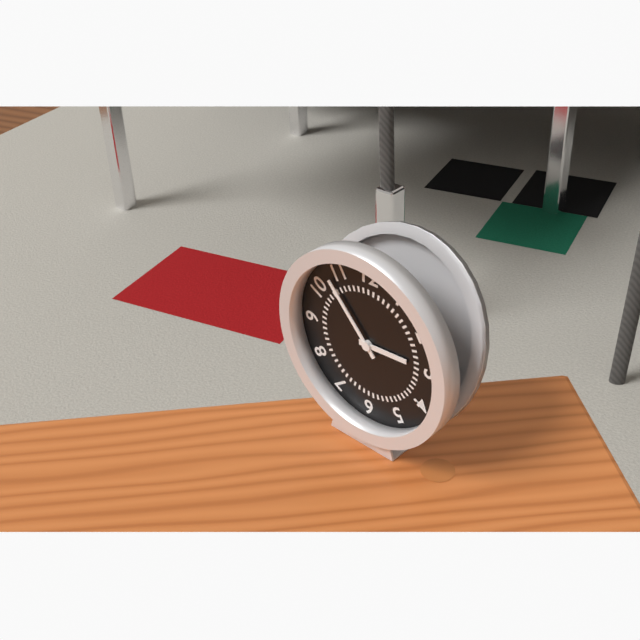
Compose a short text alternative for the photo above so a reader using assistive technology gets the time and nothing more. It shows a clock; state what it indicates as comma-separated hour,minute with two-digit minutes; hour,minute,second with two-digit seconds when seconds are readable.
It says 2,53
